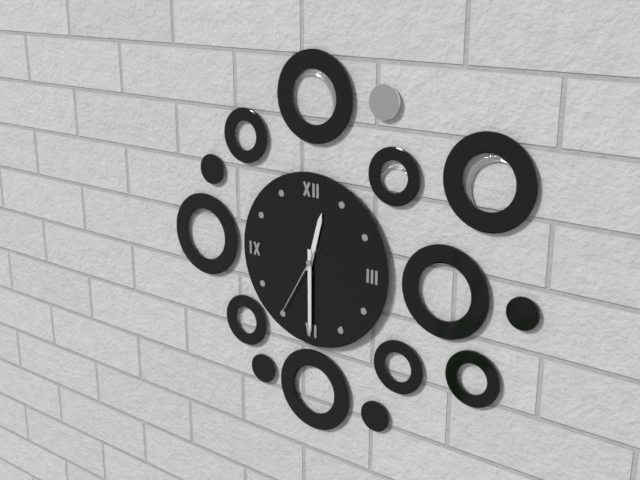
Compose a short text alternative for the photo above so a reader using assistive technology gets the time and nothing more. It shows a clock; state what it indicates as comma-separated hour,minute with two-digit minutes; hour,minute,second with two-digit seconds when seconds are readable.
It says 12,30,35
